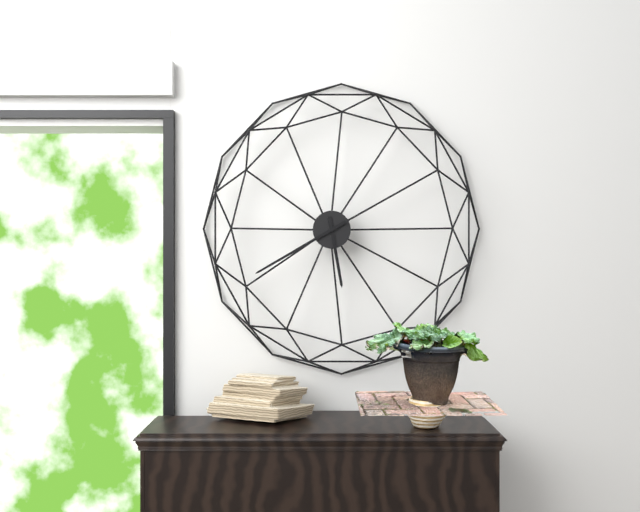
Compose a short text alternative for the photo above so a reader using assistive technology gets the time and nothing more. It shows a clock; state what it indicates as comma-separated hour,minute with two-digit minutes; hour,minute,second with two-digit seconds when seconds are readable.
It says 5,40
